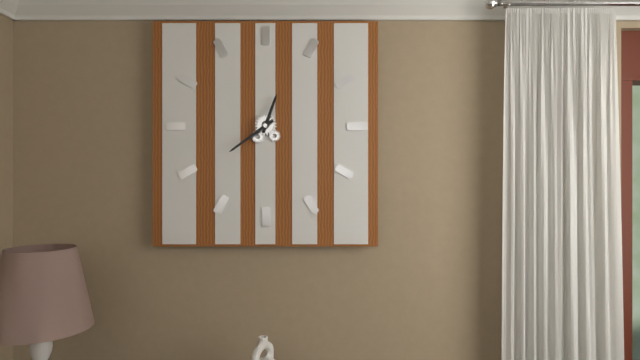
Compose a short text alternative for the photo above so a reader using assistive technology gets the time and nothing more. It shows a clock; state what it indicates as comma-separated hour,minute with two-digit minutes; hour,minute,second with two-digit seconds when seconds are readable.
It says 12,39
